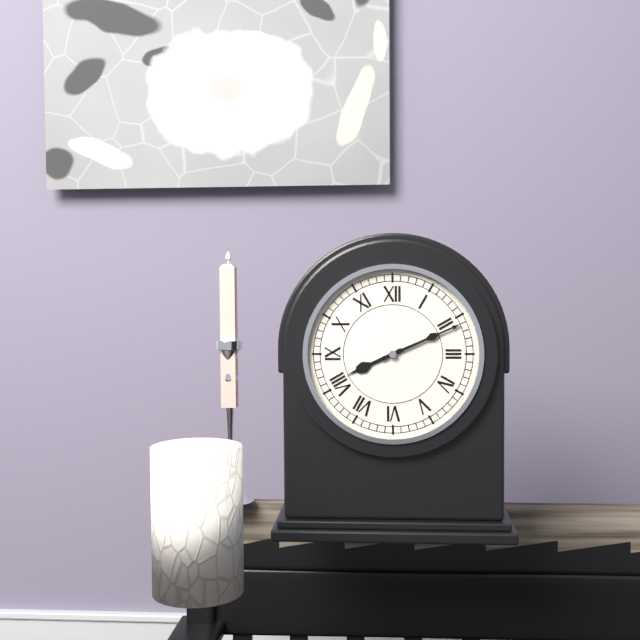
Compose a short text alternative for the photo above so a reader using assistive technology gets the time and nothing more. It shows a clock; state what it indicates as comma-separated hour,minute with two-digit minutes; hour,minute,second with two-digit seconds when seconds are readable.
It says 8,11
